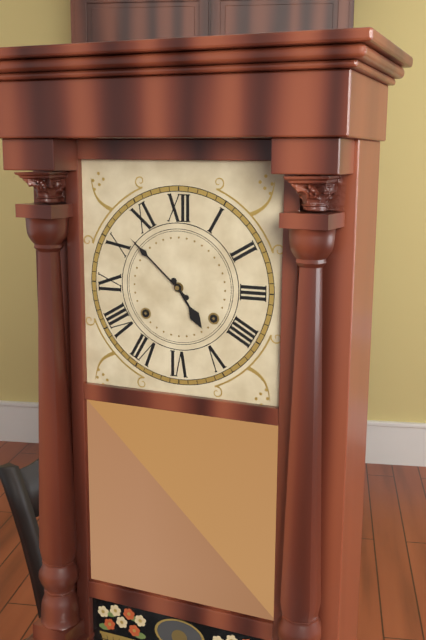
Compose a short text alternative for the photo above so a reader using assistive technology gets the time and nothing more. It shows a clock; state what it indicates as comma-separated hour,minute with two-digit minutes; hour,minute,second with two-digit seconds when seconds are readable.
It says 4,52
